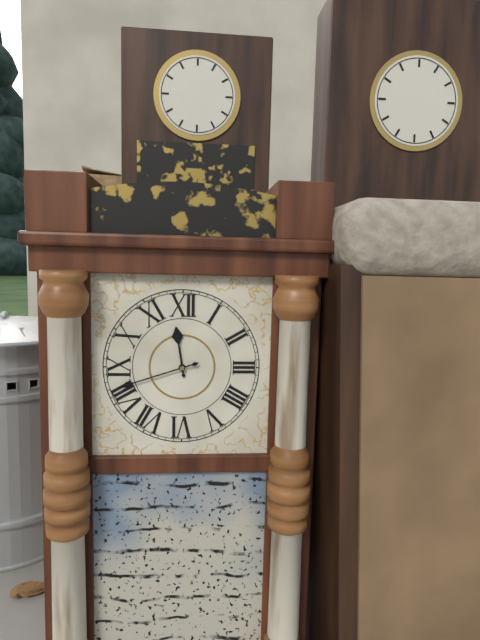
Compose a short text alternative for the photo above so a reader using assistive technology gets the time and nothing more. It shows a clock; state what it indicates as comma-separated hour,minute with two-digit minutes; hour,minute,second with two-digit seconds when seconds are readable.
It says 11,42
